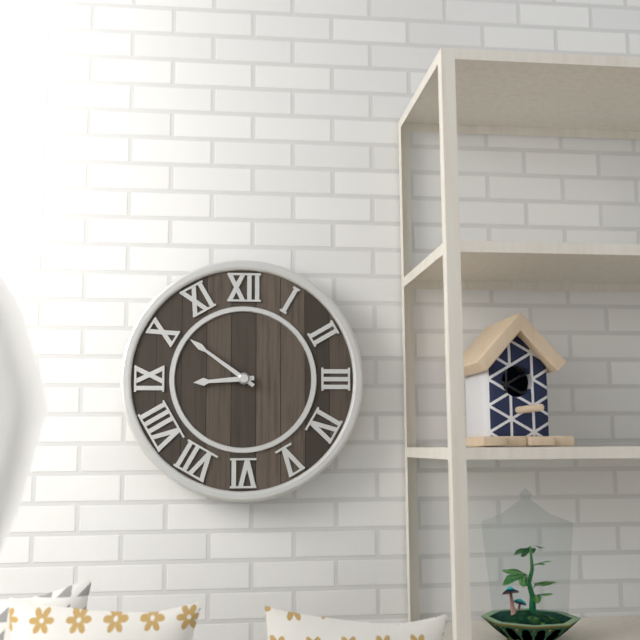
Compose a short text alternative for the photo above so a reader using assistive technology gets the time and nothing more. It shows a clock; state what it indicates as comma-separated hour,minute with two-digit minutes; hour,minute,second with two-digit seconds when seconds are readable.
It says 8,51
